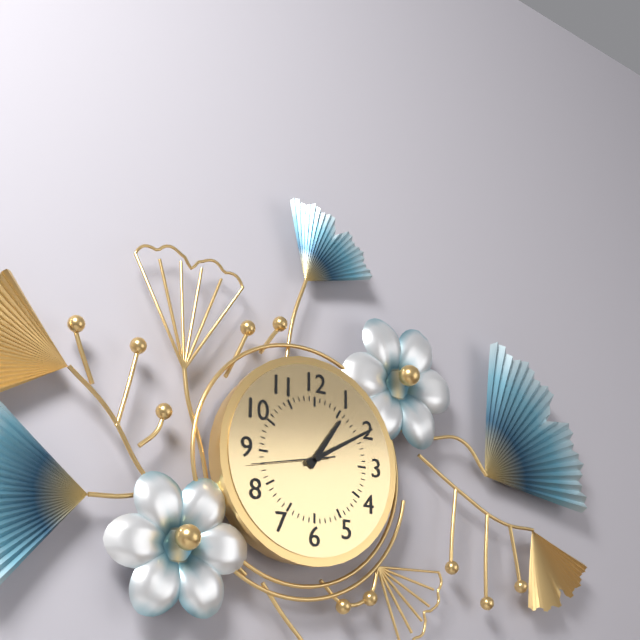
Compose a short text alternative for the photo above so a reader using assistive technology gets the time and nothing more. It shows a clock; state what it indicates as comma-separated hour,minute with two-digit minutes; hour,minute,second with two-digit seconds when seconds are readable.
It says 1,10,43
